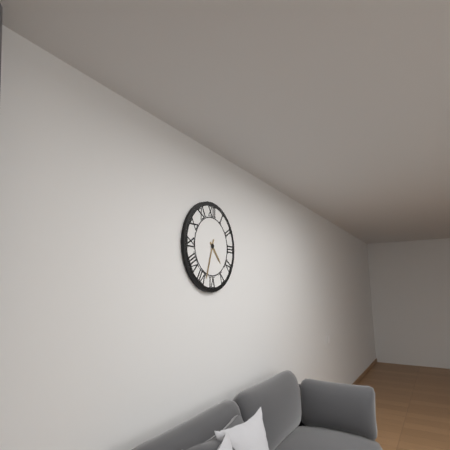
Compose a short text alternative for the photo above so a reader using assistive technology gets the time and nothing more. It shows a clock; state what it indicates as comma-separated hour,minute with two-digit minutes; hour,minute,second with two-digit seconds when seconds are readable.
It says 4,33
